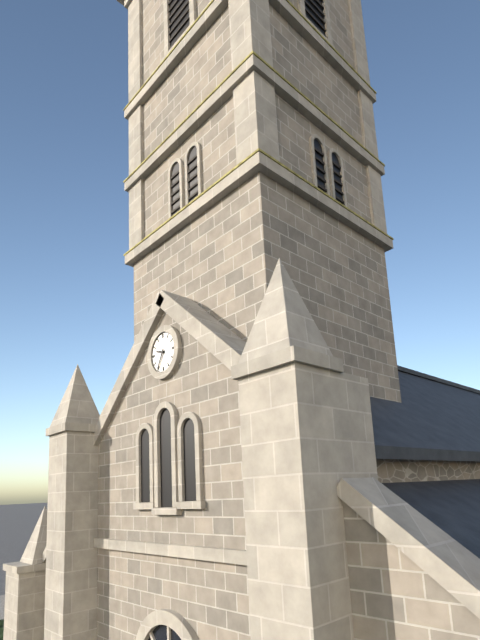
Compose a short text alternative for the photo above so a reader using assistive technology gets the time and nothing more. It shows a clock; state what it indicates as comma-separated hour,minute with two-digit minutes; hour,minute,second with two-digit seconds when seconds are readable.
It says 9,35
